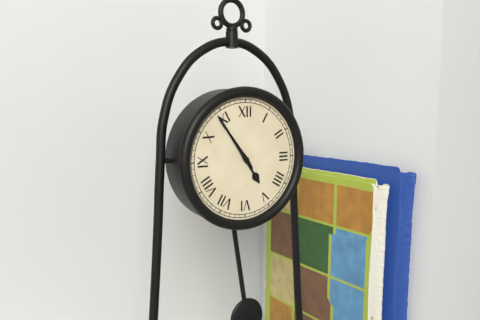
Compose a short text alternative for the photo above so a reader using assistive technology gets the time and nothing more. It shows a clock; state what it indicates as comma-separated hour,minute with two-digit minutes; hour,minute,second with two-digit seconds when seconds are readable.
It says 4,54
